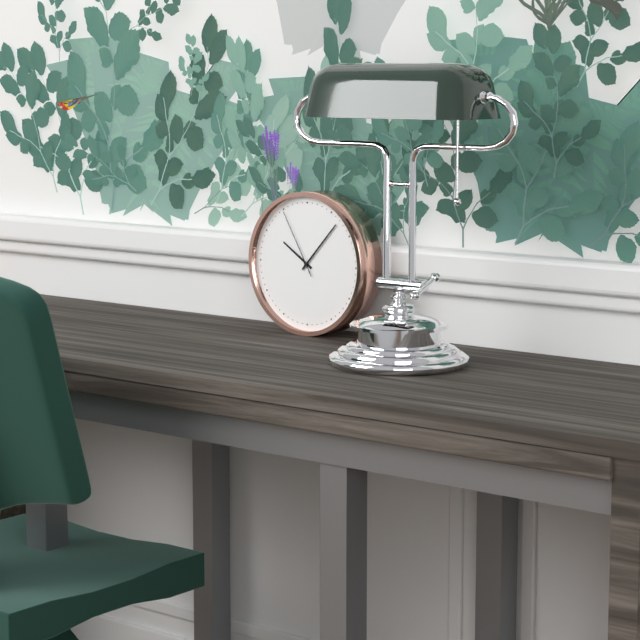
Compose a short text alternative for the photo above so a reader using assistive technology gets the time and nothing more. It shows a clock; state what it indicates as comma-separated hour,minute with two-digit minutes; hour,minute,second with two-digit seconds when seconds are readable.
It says 10,07,55
